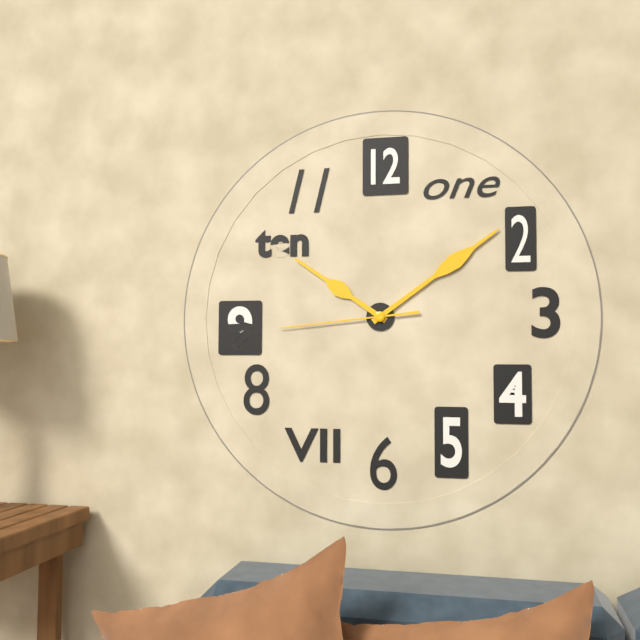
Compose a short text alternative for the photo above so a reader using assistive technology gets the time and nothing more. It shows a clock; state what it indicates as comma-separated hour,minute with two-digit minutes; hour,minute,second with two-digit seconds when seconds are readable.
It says 10,09,44
